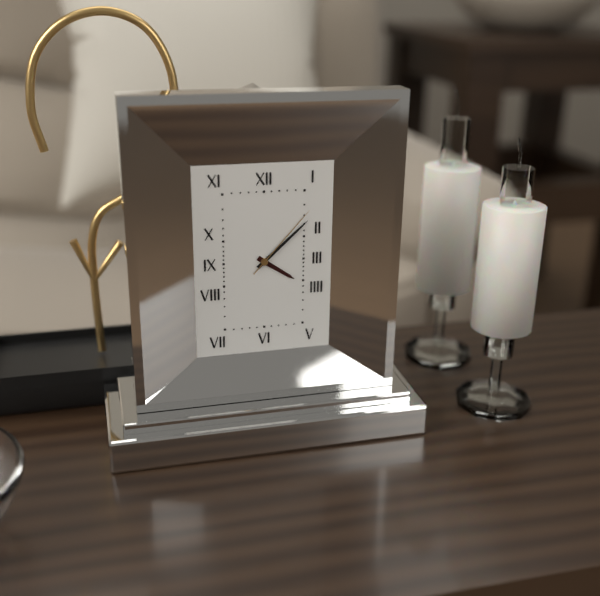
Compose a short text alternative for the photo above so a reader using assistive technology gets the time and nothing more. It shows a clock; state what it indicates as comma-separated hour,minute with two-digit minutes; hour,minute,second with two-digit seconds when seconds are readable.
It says 4,08,07
